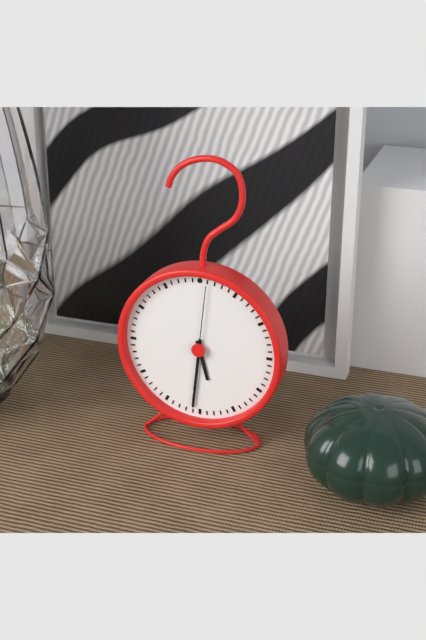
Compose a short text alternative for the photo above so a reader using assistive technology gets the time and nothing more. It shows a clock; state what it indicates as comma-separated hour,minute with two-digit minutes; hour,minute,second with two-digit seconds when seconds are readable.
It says 5,31,01
